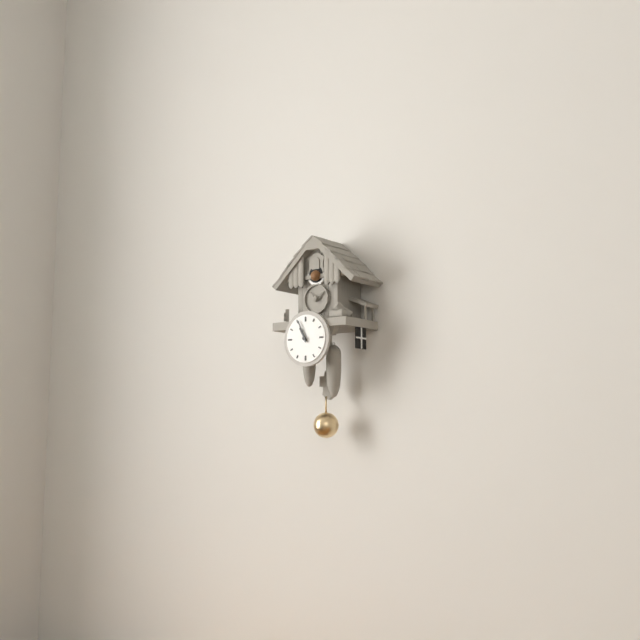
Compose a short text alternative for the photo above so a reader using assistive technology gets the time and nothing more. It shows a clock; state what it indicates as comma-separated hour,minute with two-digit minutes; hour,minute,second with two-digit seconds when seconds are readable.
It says 10,56
